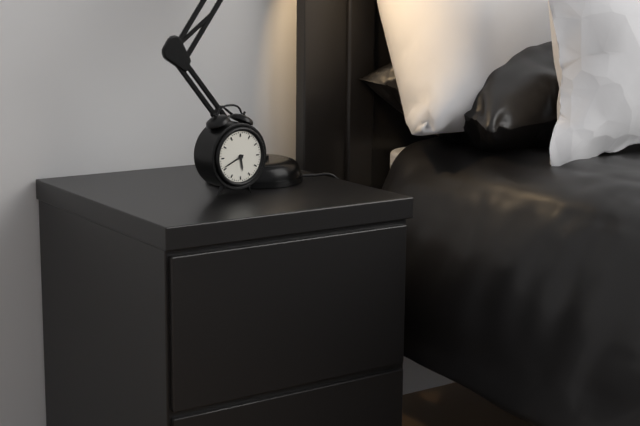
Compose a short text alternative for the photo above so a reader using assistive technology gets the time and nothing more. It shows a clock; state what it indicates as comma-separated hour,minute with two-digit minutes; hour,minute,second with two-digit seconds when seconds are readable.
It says 5,41
